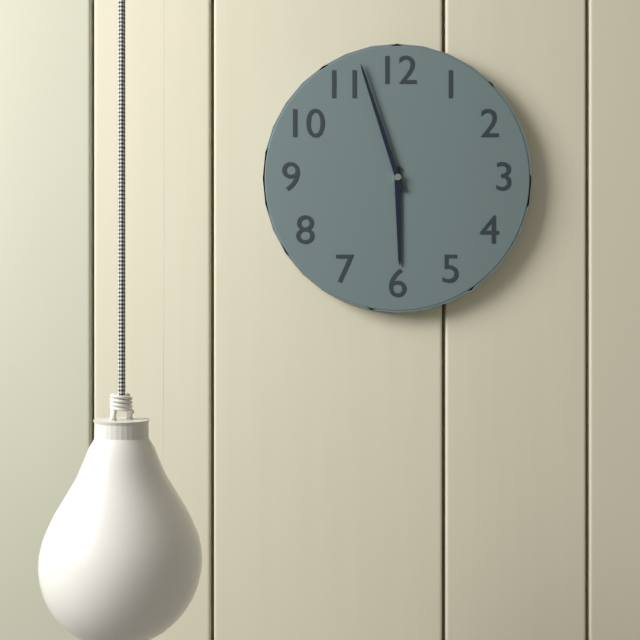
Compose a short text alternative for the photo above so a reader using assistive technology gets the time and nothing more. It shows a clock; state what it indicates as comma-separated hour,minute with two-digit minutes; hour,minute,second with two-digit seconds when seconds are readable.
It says 5,57
